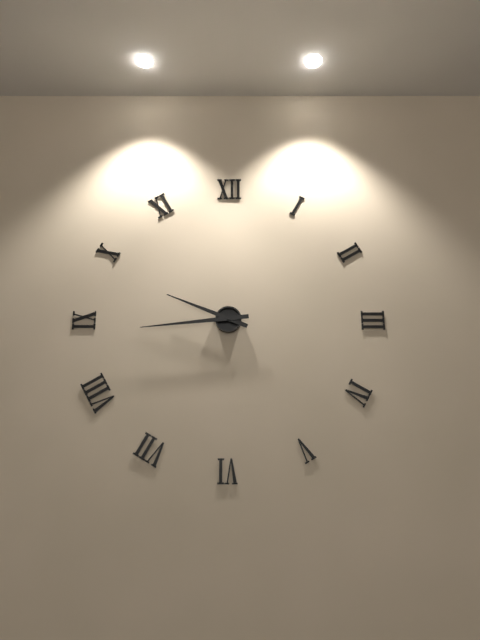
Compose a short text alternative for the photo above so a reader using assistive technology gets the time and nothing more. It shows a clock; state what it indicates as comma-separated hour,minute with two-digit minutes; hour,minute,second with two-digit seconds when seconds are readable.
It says 9,44
